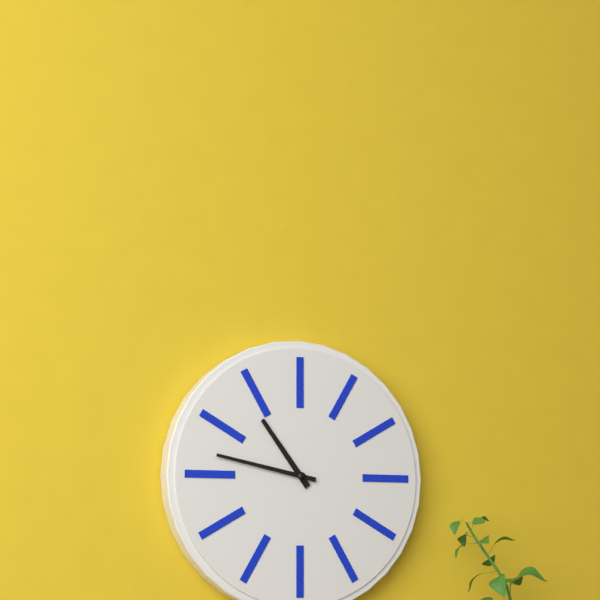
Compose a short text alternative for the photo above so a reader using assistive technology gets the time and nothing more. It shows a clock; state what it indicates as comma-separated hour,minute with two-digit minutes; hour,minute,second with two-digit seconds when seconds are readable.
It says 10,47
